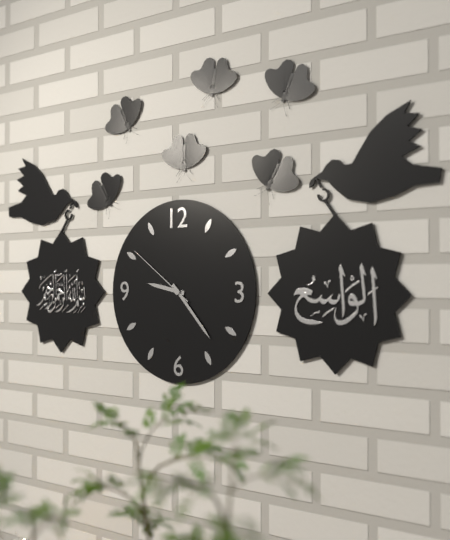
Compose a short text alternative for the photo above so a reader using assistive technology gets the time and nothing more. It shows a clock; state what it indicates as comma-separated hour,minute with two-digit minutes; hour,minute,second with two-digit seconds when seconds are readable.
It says 9,23,51
